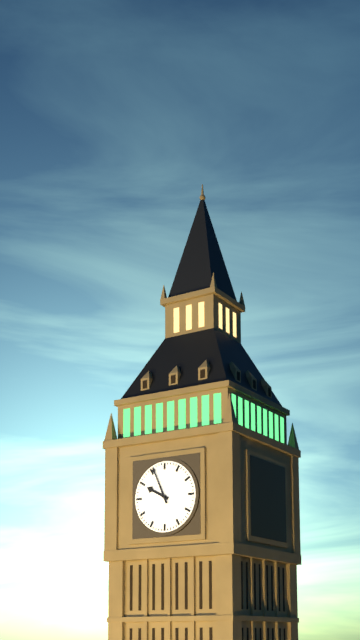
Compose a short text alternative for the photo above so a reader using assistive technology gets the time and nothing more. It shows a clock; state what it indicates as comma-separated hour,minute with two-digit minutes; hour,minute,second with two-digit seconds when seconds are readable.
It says 9,56
